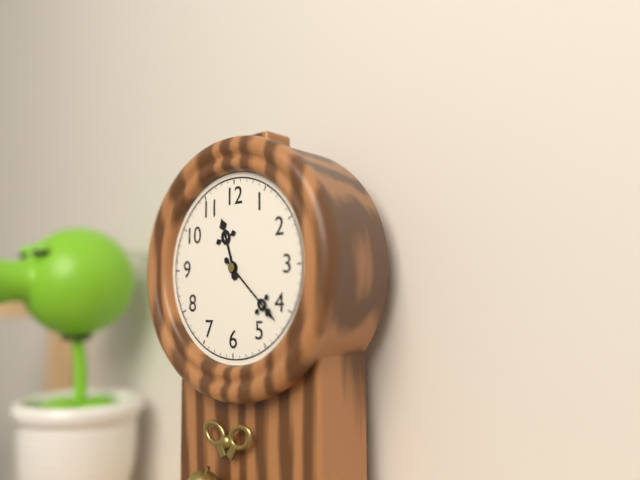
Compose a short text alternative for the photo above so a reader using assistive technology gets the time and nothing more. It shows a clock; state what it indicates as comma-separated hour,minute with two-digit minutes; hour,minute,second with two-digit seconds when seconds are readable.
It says 11,22
